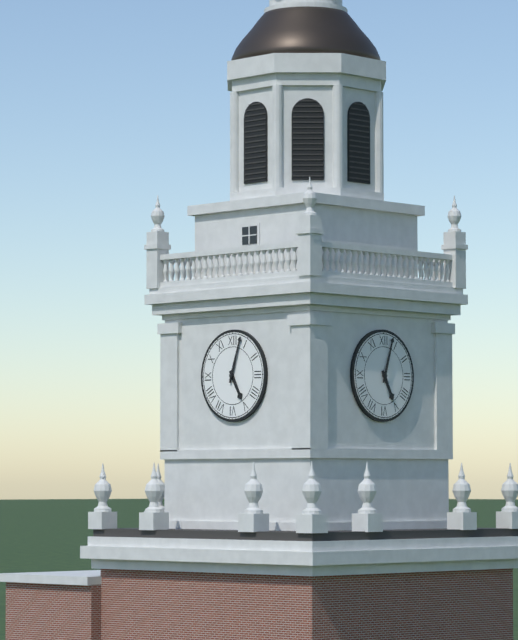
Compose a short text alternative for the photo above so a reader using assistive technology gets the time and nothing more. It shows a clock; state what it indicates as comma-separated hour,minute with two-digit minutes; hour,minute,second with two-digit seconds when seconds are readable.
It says 5,03
